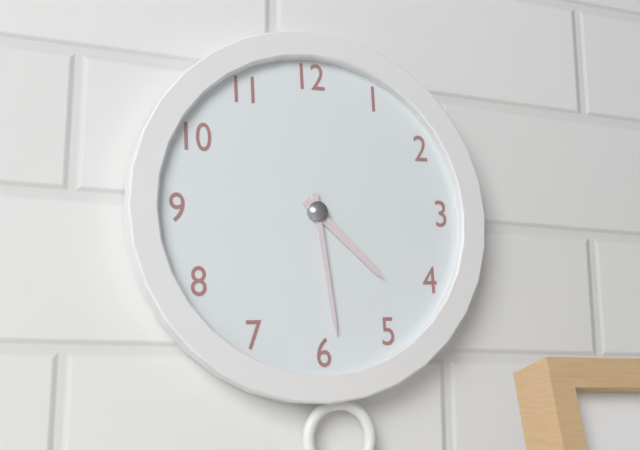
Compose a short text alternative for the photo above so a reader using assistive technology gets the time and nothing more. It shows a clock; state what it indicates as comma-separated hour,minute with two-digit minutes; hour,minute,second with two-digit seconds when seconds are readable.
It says 4,29
